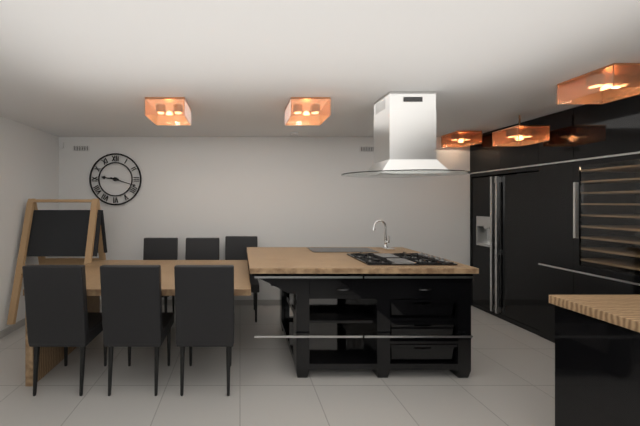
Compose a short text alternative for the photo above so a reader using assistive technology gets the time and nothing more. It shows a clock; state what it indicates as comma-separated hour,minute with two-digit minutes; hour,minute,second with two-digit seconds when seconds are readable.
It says 9,18
